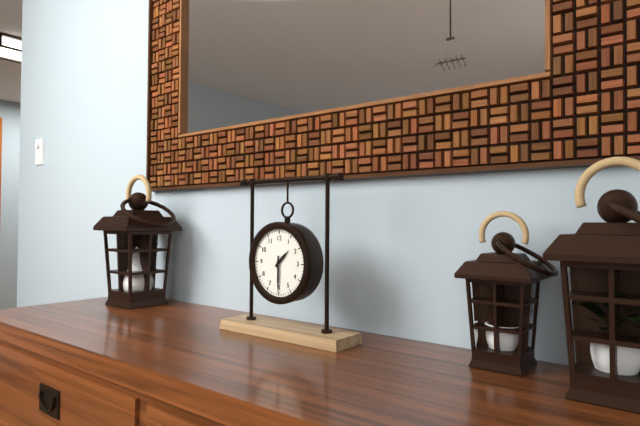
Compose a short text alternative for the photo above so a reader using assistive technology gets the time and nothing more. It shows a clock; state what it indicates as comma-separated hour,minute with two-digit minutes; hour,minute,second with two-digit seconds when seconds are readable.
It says 1,30
